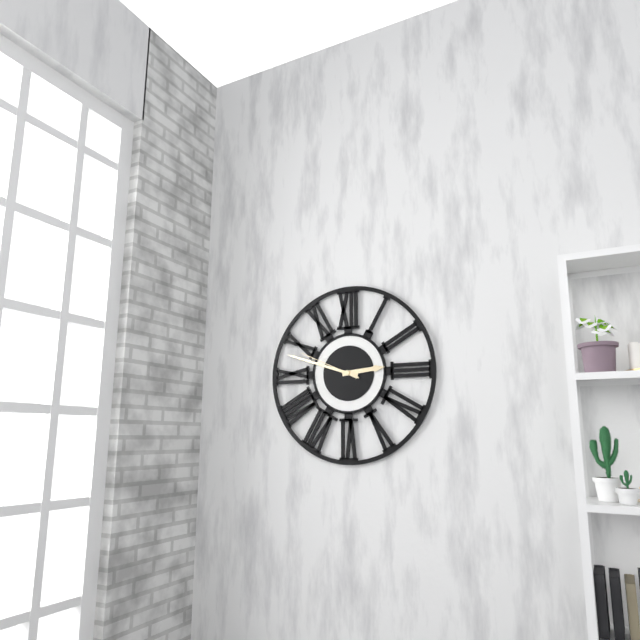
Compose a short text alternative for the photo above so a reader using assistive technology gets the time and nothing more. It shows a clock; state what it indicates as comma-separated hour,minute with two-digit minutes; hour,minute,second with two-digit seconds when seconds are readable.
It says 2,48,49
